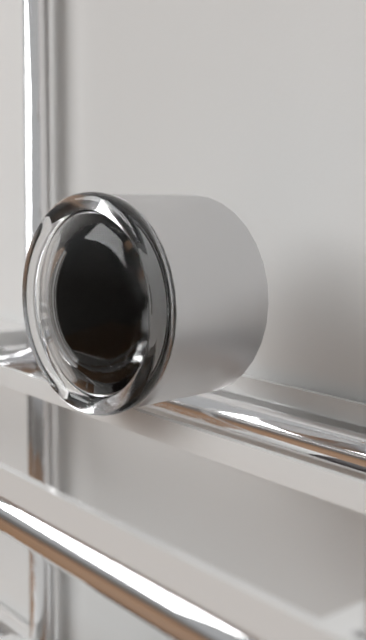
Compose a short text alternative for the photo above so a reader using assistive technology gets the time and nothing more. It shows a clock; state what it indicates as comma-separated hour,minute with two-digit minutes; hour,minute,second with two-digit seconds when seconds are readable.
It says 1,34,38
